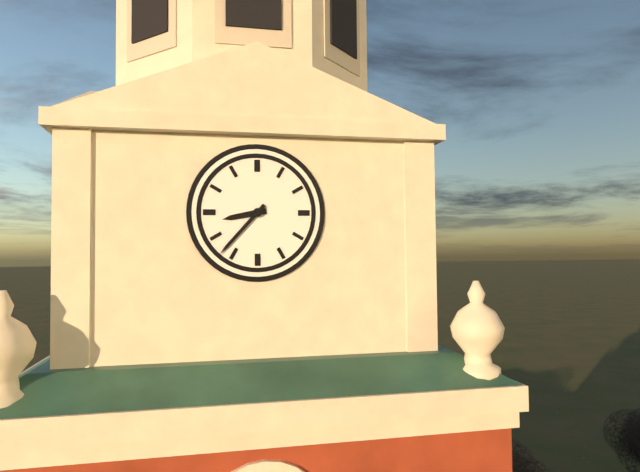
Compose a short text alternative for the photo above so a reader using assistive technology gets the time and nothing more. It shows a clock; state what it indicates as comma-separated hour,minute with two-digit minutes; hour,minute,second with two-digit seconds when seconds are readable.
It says 8,37
